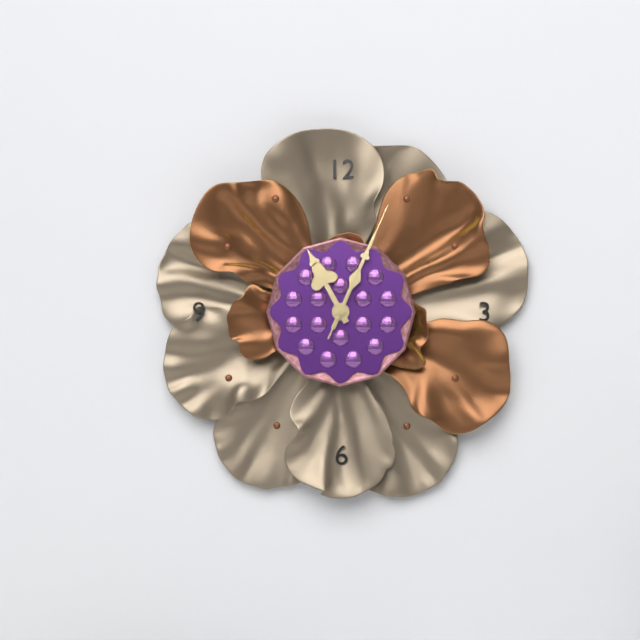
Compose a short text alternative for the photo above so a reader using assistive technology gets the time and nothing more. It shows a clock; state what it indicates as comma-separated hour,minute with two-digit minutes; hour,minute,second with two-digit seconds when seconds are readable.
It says 11,04,04
